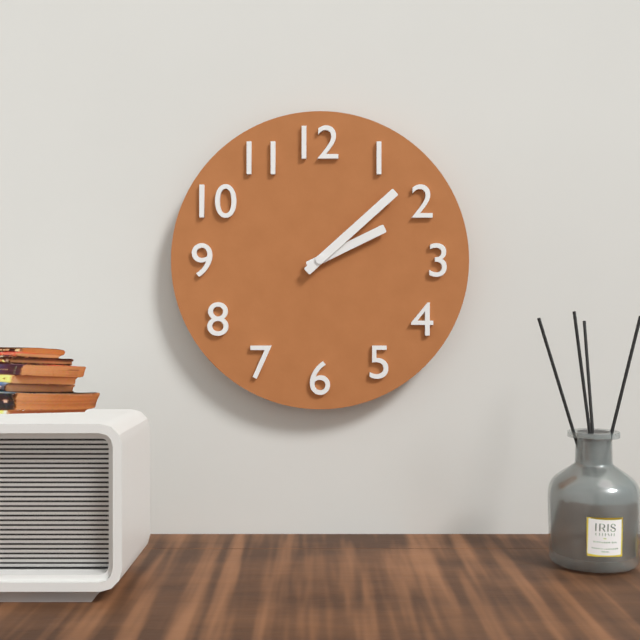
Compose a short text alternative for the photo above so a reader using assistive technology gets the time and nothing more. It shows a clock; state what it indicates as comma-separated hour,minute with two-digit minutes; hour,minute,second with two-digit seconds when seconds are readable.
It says 2,08
